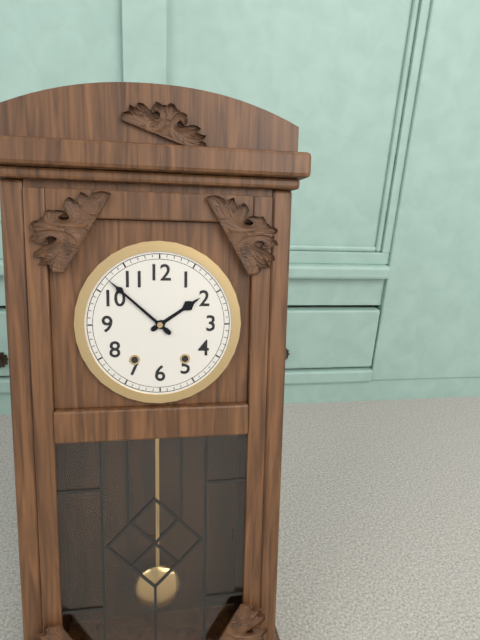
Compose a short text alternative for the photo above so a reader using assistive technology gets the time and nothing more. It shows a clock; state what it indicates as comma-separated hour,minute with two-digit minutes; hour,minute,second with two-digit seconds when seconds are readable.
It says 1,52
